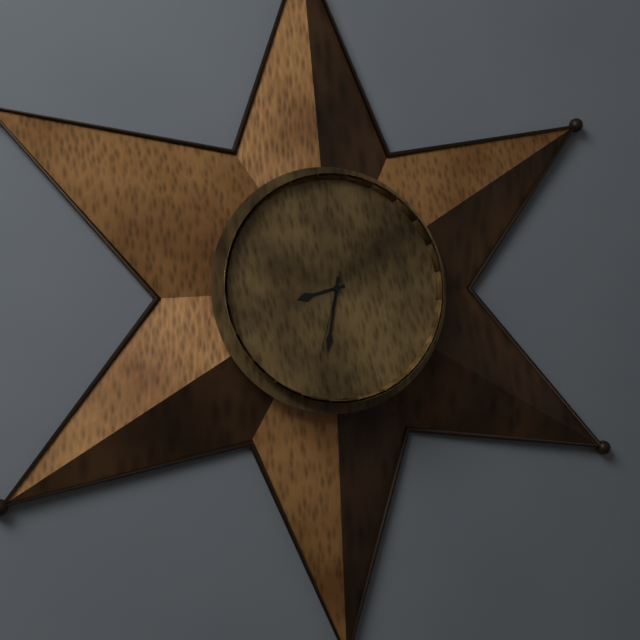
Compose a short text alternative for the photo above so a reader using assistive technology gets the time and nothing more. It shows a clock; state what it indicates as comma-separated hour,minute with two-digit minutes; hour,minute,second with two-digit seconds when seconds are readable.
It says 8,32,33
